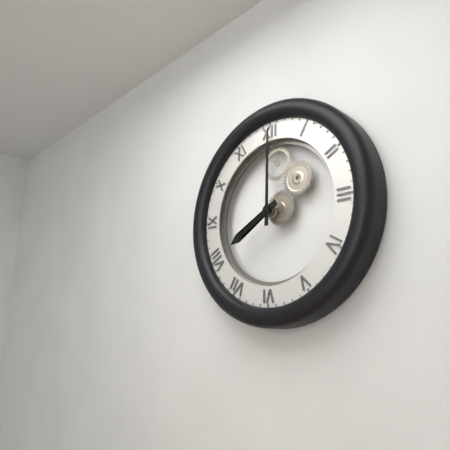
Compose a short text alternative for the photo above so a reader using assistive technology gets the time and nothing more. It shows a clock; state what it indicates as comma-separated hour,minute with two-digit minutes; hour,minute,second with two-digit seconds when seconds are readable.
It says 8,00
